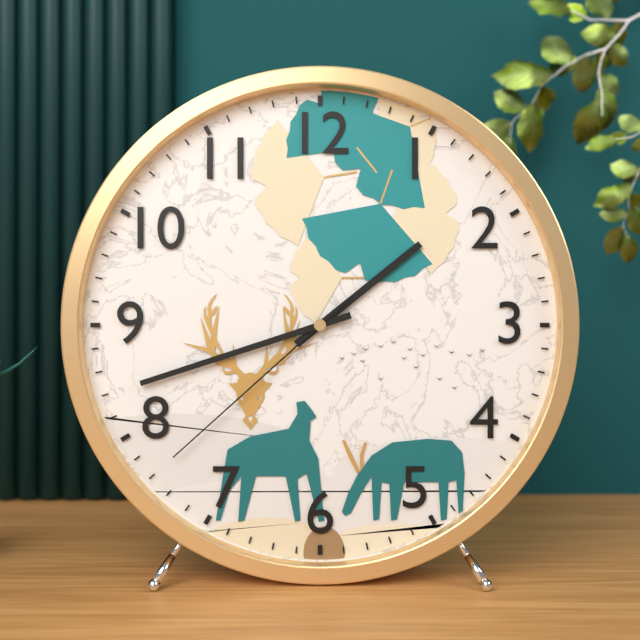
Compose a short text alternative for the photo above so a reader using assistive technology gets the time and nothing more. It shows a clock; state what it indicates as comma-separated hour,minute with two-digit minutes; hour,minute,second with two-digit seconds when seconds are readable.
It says 1,42,38
